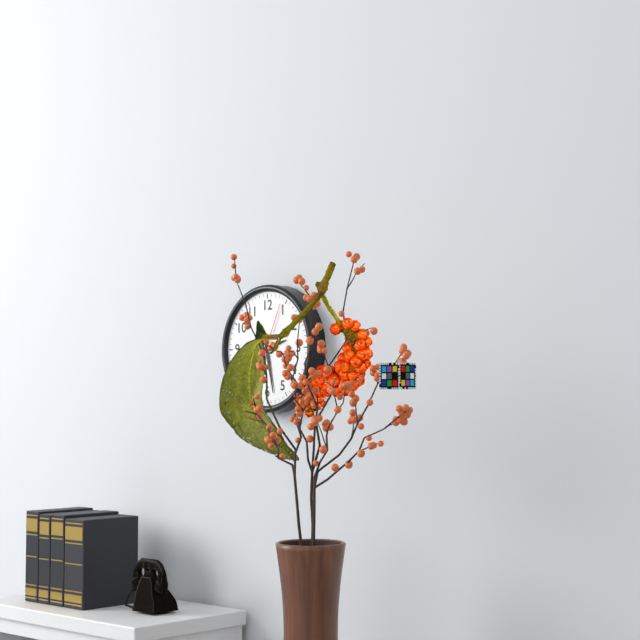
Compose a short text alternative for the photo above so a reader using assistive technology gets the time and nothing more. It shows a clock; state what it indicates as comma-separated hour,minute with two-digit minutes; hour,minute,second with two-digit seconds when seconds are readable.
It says 2,28,04
